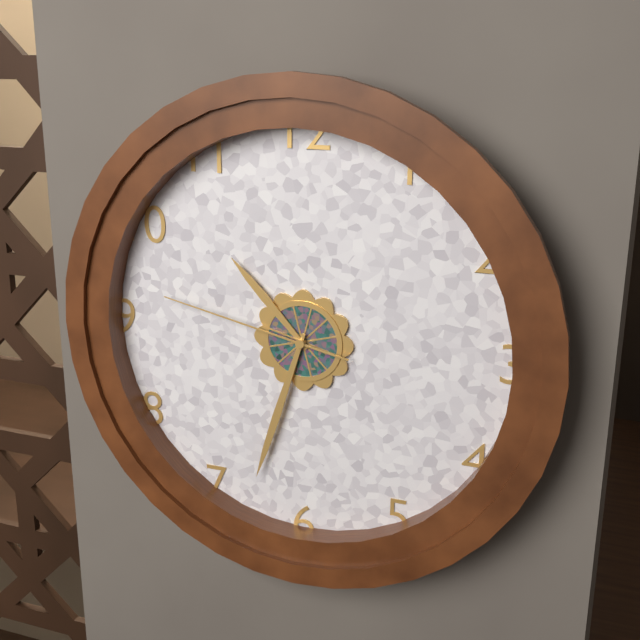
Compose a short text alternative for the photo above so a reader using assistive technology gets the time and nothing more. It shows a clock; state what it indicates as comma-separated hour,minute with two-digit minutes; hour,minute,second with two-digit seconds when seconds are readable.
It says 10,33,47
